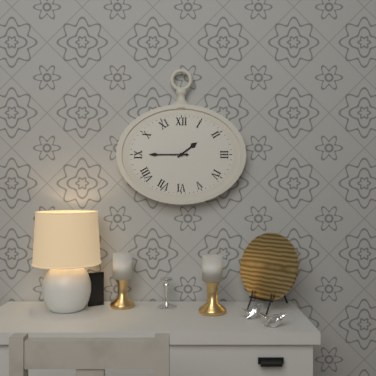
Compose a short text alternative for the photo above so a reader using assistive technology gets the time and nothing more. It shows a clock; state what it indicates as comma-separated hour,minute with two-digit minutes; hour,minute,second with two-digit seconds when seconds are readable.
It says 1,45
